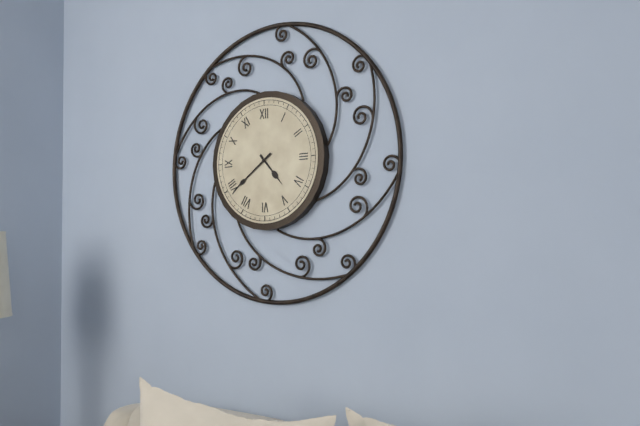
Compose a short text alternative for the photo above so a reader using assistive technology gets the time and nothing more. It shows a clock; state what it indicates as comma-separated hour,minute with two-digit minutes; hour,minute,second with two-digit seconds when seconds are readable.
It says 4,39
